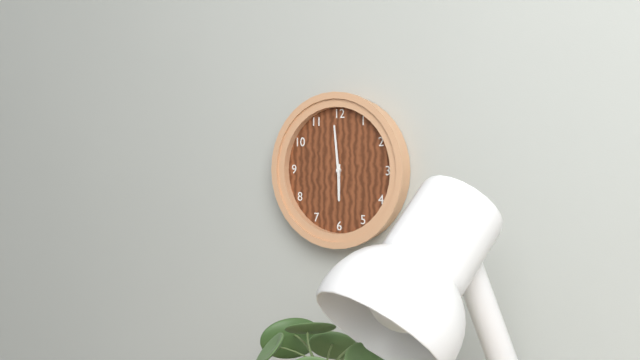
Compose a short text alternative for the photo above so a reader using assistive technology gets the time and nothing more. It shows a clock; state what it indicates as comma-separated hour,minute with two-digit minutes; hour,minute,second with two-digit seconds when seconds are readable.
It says 5,59
